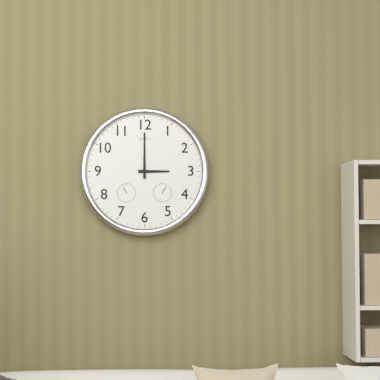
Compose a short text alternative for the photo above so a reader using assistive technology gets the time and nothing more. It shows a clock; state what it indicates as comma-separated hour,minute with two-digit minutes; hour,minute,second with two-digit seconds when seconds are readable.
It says 3,00
